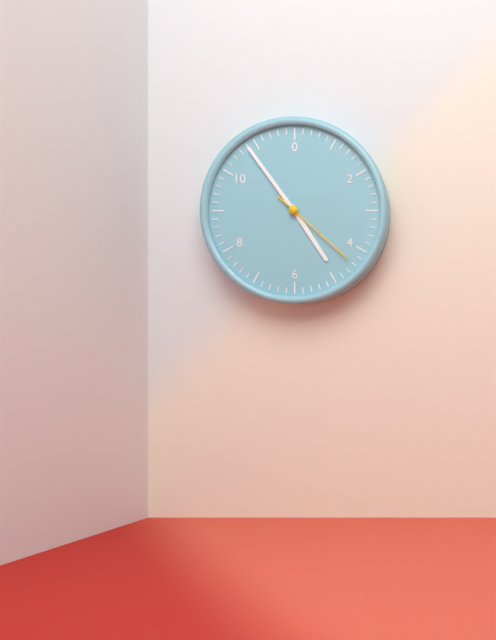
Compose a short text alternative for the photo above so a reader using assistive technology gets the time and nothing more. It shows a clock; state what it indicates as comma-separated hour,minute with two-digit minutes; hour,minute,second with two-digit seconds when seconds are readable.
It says 4,54,22
